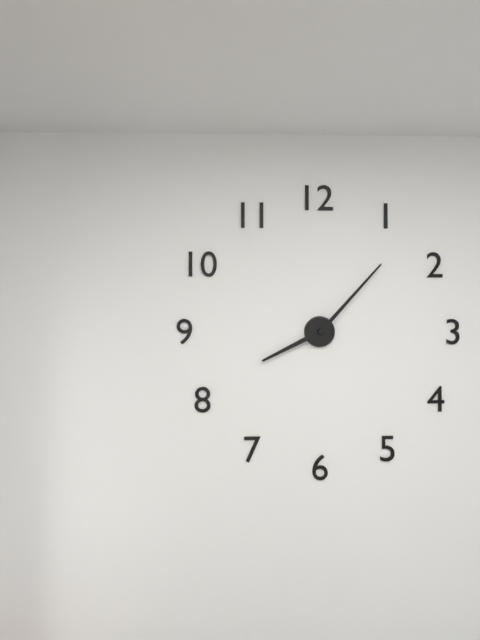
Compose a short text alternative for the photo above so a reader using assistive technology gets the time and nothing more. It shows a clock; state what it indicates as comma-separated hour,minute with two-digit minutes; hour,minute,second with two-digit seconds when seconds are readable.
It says 8,07
